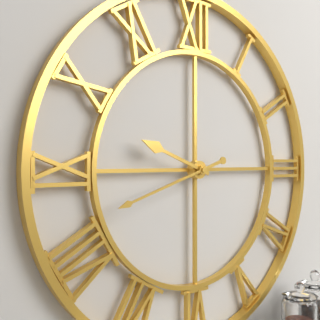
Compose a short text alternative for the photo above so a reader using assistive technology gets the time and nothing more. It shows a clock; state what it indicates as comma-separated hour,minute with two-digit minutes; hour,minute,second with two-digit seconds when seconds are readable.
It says 9,42
